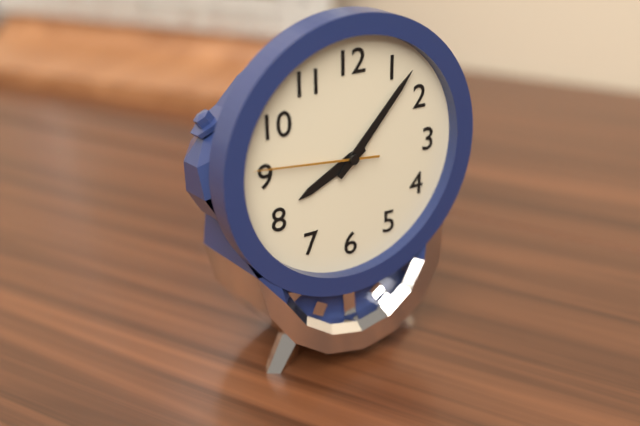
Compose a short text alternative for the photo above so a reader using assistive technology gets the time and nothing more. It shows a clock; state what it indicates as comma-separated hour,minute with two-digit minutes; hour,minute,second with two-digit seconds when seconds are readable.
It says 8,07,46
